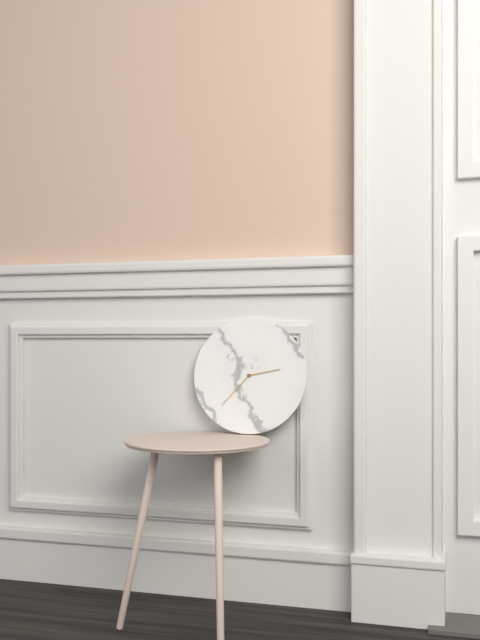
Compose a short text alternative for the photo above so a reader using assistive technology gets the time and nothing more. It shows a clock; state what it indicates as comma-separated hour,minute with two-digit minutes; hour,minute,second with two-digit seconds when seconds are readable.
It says 2,37
